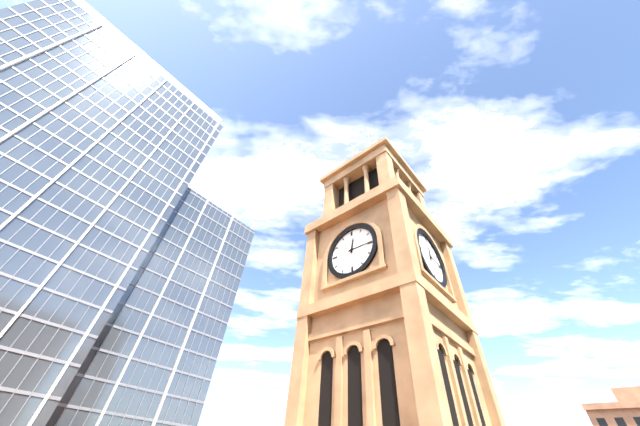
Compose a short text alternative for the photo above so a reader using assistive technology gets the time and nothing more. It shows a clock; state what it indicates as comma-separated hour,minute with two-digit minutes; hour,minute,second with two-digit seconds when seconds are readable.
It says 12,15
